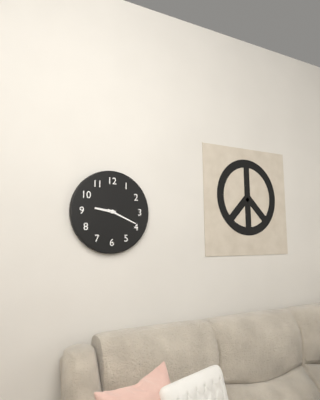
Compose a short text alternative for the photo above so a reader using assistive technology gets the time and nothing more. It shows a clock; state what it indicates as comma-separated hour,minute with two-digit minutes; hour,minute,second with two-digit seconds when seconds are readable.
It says 9,19
